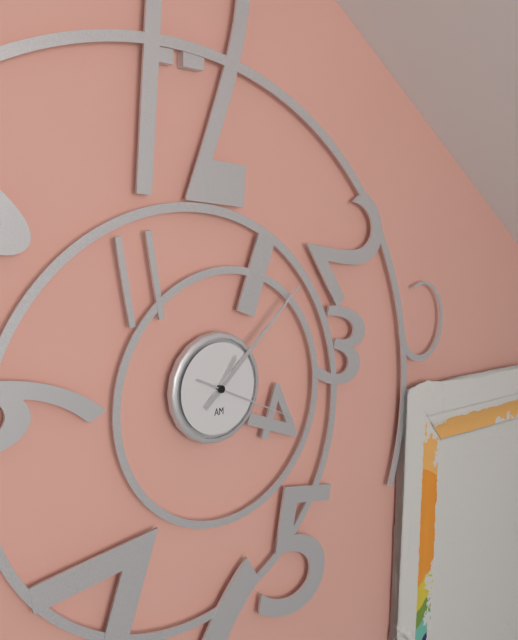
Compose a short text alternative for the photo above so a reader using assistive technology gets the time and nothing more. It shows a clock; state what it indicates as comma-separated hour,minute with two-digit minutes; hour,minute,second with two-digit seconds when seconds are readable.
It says 1,08,19
